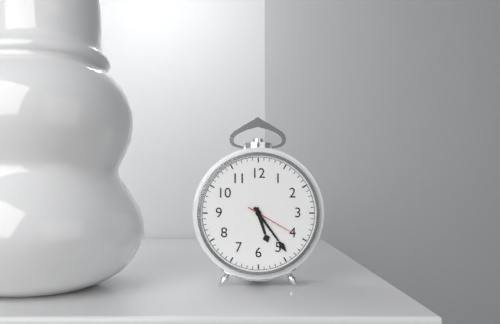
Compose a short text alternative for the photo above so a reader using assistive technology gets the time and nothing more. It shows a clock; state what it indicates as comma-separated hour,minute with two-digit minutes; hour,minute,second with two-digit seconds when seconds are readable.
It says 5,24
